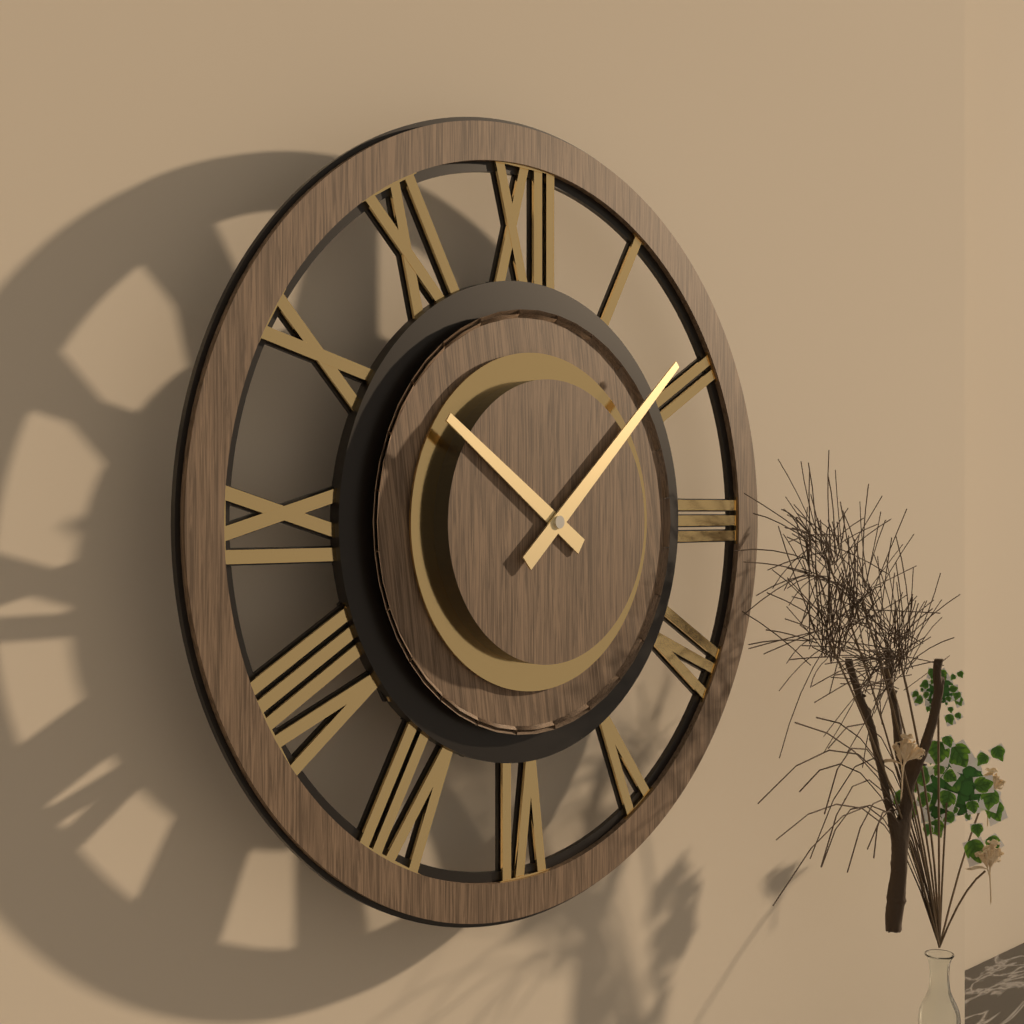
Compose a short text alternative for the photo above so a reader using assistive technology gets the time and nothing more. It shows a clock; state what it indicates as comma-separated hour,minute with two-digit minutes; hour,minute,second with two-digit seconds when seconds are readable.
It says 10,08
